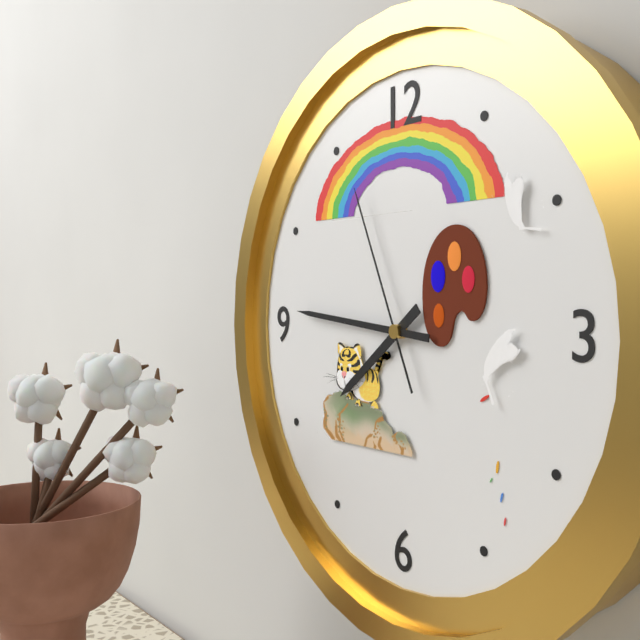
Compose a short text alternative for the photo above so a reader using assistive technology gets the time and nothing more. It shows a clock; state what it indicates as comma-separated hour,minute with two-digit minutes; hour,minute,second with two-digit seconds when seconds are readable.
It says 7,46,56
